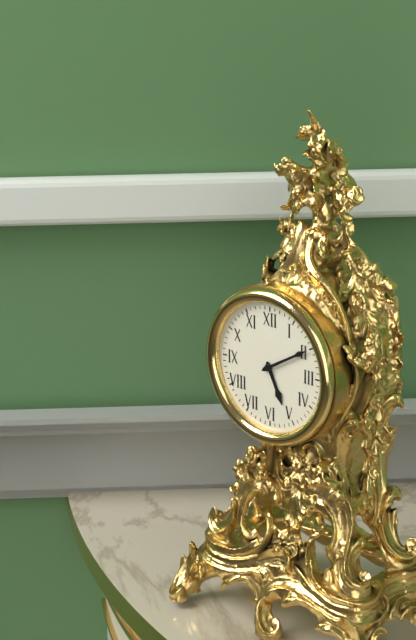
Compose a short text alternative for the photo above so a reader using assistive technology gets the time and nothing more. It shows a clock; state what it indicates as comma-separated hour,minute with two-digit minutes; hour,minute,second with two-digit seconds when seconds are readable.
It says 5,10
